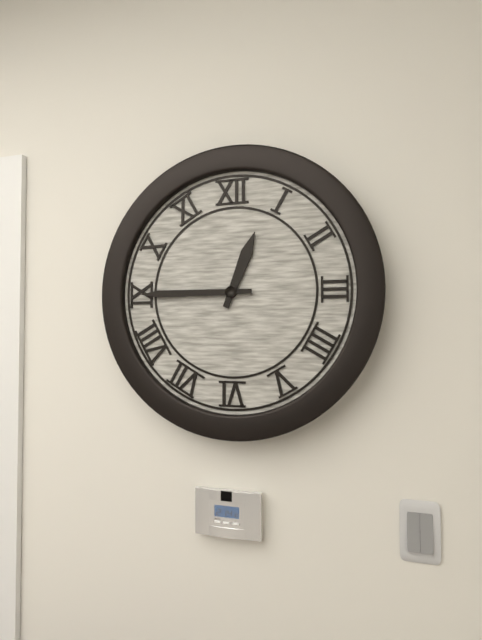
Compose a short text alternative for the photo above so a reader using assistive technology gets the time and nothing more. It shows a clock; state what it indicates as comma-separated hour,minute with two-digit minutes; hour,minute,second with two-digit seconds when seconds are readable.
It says 12,45
